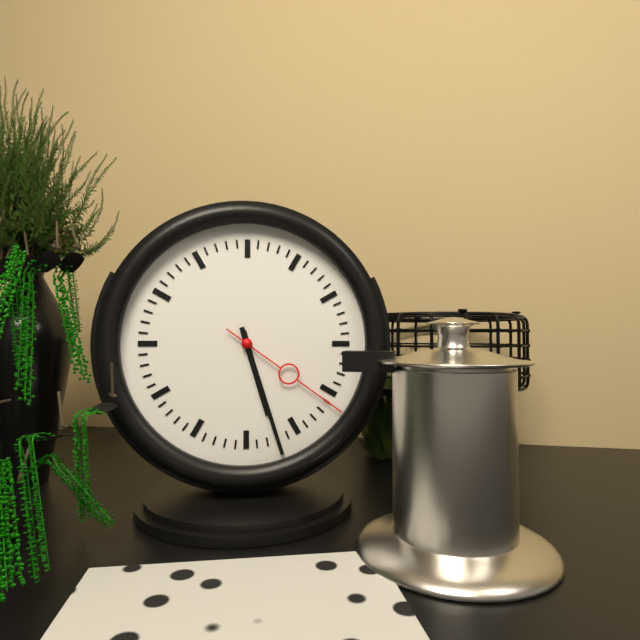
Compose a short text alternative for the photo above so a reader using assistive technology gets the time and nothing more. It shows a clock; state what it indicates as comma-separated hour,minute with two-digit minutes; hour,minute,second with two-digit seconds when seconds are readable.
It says 5,27,21
